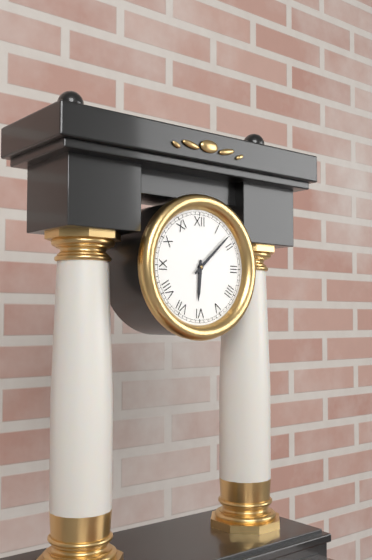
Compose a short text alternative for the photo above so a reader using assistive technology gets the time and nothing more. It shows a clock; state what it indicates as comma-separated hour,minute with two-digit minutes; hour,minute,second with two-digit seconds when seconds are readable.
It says 6,08
